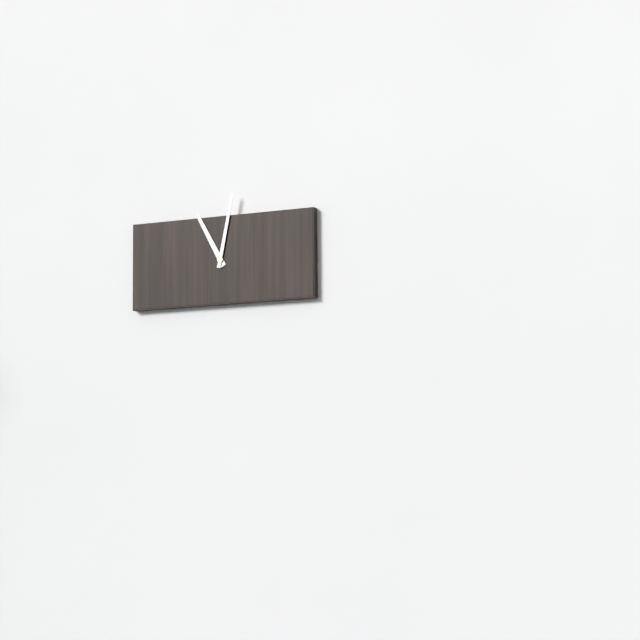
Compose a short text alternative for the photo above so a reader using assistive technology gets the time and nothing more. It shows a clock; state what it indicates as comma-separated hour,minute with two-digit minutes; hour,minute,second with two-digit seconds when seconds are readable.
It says 11,02
